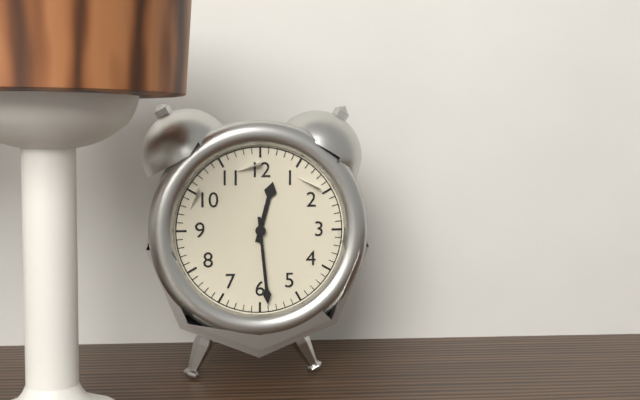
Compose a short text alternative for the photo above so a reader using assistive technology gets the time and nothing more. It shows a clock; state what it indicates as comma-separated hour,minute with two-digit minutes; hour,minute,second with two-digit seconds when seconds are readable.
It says 12,29
